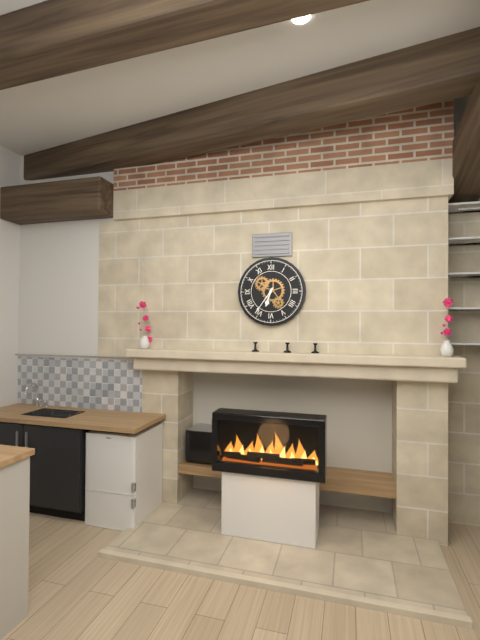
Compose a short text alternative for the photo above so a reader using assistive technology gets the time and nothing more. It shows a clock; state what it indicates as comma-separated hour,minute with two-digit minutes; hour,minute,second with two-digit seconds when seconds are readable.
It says 6,36
